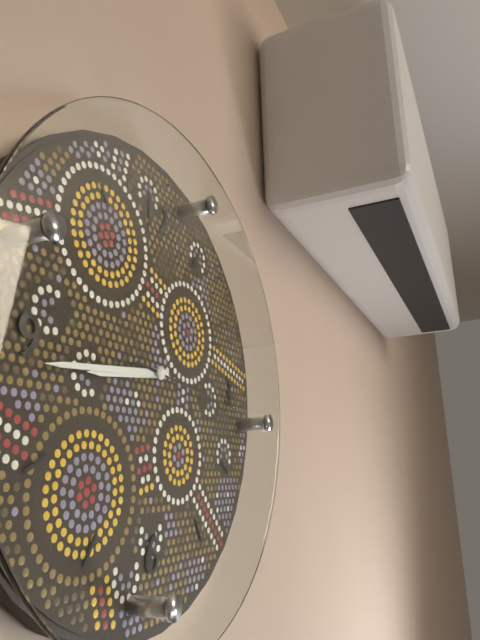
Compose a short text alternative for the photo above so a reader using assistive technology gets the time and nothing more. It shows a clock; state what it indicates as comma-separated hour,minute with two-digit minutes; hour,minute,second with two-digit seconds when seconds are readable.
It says 8,44,16
